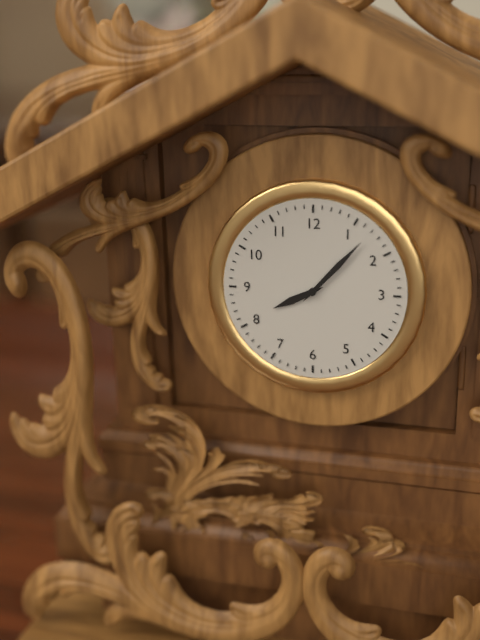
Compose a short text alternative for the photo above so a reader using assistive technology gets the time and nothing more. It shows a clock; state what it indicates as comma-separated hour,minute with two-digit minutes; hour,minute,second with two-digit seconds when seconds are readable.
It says 8,07
